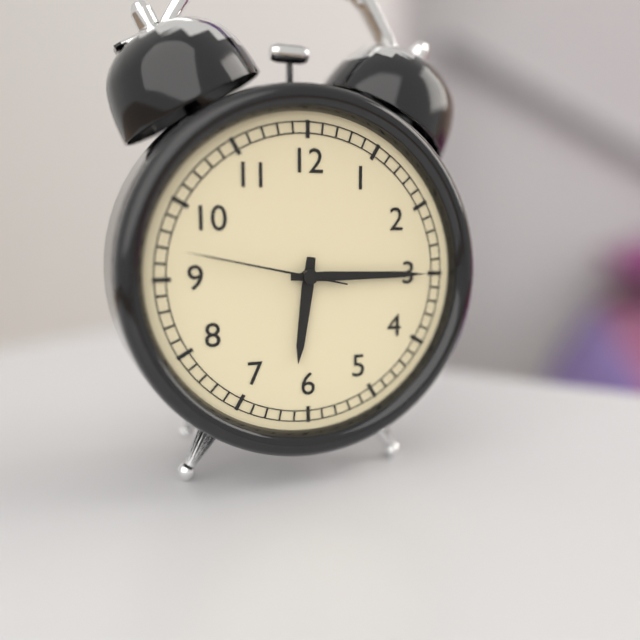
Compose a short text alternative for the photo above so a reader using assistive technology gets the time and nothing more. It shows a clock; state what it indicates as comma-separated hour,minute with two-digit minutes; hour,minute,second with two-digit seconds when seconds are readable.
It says 6,15,47
